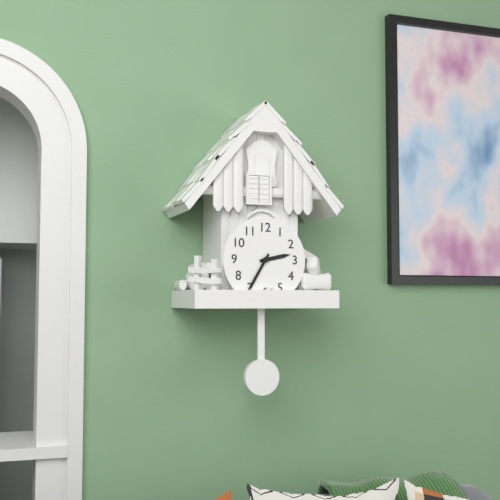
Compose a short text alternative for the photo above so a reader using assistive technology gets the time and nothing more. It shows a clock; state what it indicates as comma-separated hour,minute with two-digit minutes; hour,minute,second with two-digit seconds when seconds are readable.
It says 2,35
